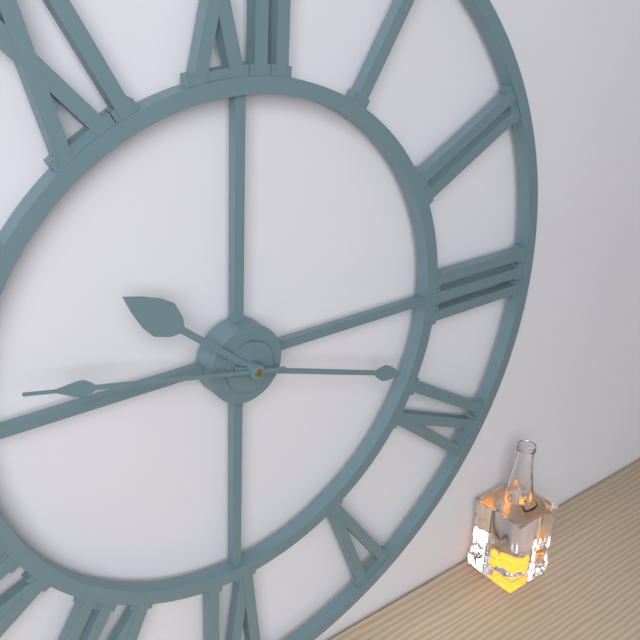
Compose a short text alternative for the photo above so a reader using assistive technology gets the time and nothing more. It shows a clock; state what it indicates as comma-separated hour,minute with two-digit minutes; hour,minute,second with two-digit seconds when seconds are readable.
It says 10,18,47
